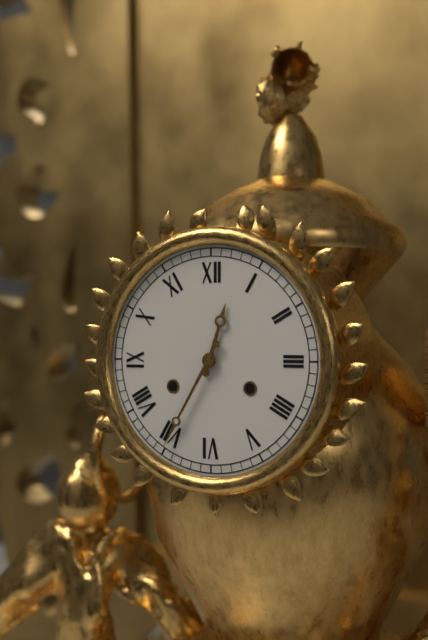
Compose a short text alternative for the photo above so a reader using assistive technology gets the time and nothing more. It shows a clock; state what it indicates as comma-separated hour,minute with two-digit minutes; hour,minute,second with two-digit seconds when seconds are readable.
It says 12,35
